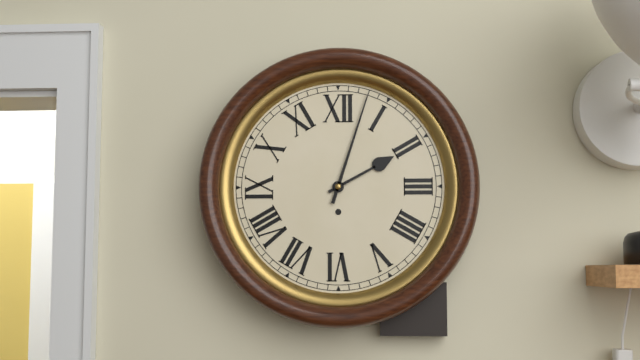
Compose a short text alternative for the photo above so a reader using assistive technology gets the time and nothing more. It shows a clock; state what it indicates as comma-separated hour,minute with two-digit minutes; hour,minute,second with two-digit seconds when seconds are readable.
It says 2,03
